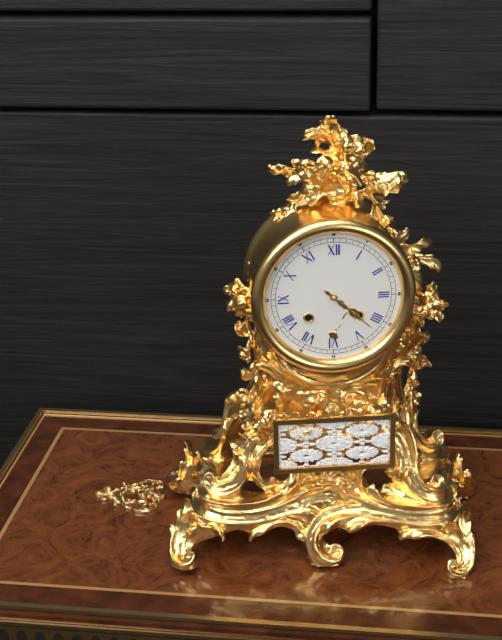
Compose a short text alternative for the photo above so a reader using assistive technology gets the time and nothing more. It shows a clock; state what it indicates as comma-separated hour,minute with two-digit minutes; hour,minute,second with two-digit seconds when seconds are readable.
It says 4,22
